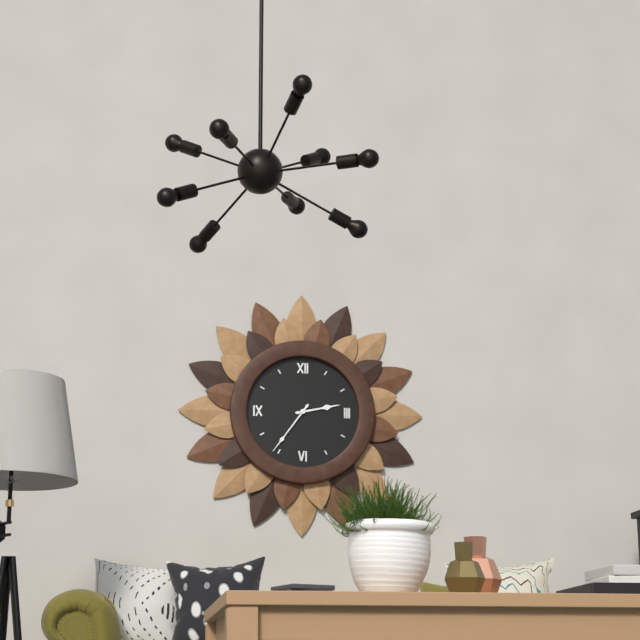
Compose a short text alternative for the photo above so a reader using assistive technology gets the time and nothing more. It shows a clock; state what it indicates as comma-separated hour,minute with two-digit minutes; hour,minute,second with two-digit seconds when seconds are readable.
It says 2,36
